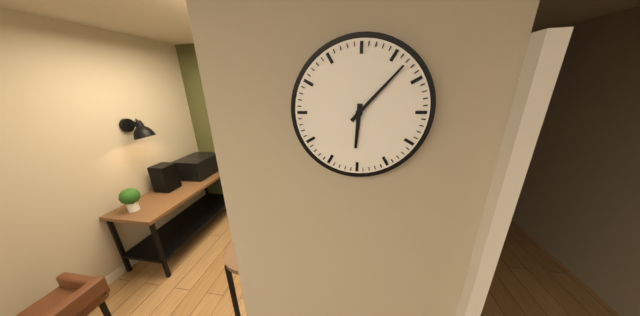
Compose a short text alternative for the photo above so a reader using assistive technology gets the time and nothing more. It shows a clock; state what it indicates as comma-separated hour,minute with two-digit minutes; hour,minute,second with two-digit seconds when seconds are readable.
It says 6,07
